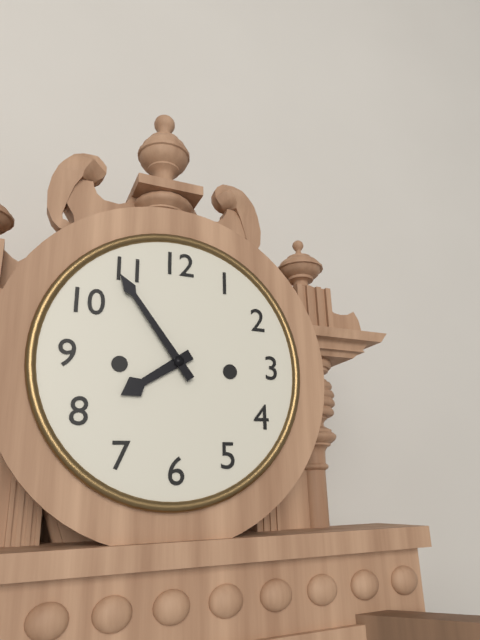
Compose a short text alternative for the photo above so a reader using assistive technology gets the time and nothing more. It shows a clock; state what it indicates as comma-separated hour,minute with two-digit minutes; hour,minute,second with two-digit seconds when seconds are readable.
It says 7,54
